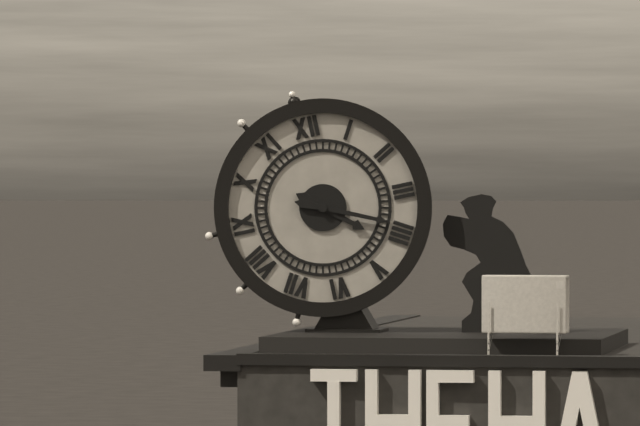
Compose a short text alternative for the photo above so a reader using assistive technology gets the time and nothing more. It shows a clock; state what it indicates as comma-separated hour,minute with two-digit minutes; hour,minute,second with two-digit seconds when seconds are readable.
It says 4,19
